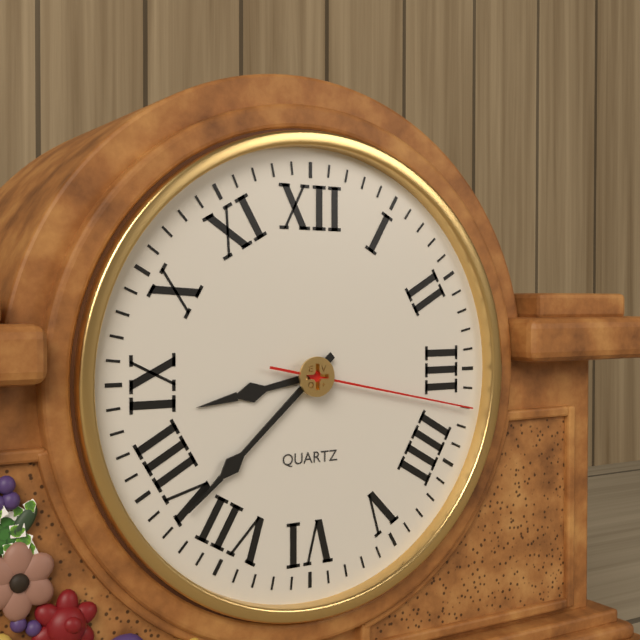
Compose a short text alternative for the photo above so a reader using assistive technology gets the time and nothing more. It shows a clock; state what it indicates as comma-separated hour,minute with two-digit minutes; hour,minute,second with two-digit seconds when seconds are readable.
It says 8,38,17
